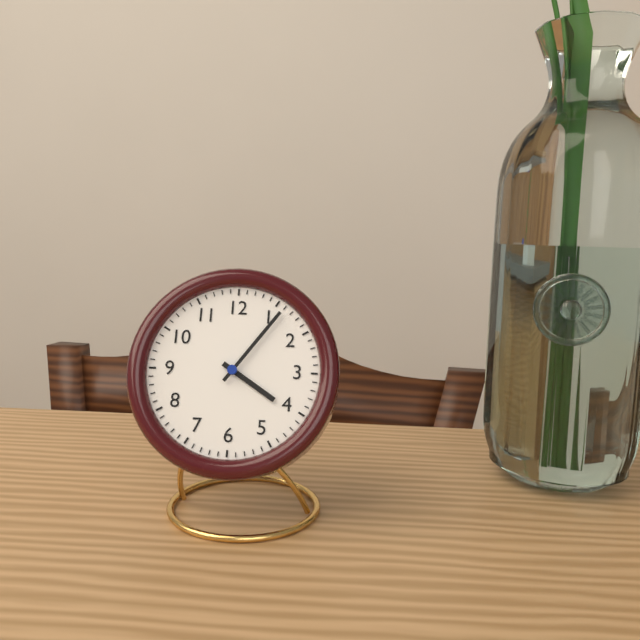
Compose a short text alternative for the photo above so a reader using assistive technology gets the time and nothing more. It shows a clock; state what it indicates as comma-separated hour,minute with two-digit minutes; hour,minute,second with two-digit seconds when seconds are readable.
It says 4,06
